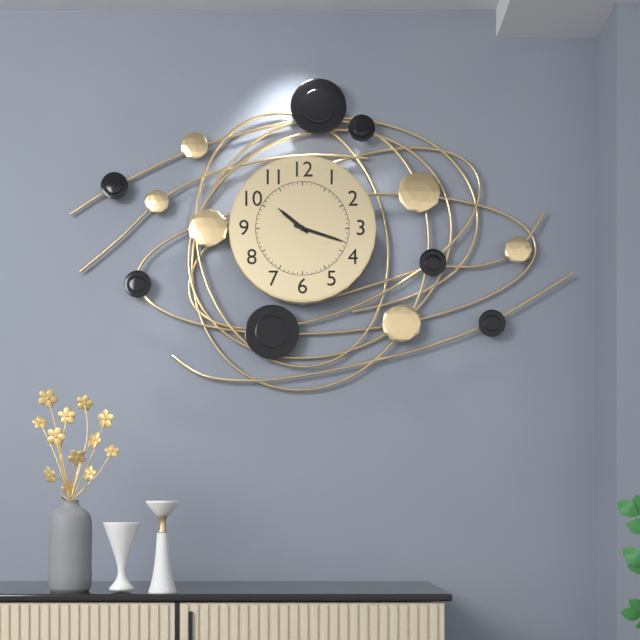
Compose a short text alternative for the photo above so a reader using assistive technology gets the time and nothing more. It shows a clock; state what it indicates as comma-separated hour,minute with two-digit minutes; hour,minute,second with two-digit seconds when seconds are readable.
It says 10,18
